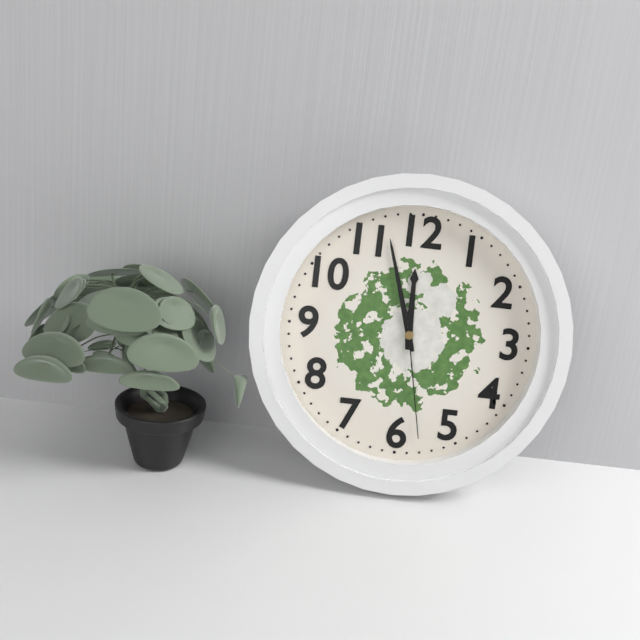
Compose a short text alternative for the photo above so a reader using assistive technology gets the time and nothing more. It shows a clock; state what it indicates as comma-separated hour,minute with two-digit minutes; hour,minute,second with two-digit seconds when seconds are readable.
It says 11,57,28
